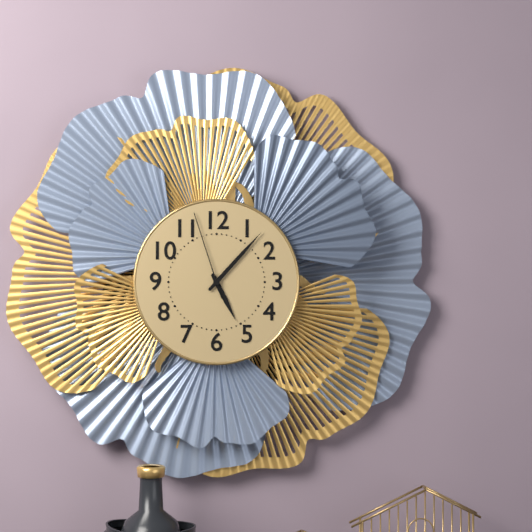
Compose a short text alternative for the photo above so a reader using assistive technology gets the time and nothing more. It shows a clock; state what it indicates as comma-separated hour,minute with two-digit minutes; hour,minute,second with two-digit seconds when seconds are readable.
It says 5,07,57
